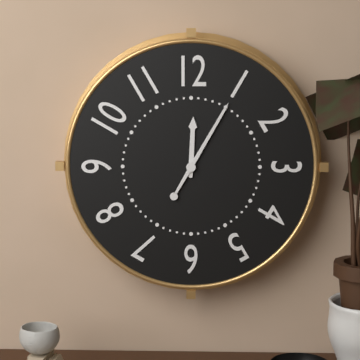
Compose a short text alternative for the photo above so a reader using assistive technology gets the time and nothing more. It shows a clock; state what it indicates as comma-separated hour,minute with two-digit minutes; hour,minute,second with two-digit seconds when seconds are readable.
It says 12,05
